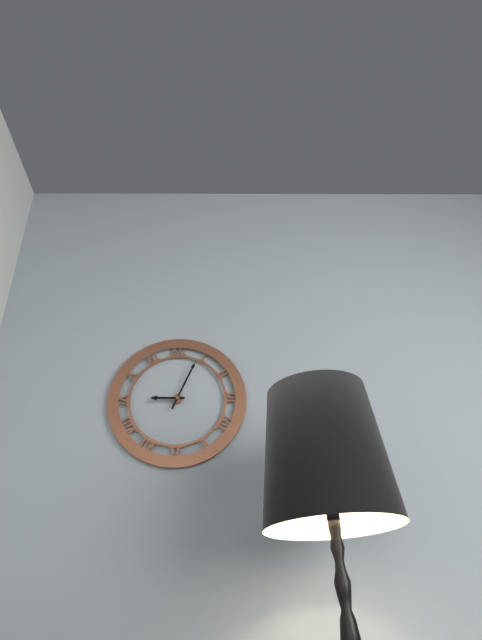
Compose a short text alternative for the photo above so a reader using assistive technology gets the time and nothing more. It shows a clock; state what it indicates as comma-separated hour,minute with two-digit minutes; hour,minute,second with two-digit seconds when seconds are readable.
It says 9,04
